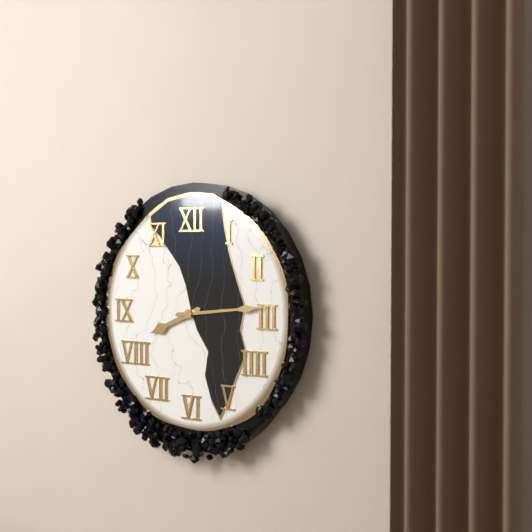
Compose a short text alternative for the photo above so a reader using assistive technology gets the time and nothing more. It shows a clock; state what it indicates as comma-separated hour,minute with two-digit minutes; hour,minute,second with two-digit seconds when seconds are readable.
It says 8,14
